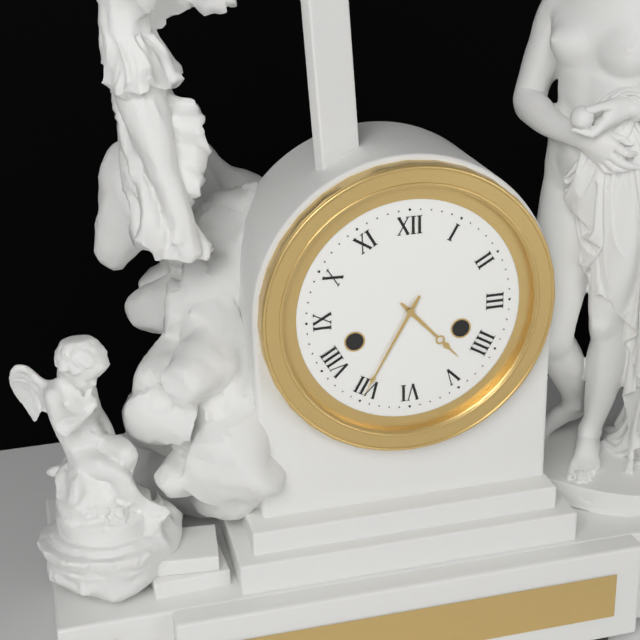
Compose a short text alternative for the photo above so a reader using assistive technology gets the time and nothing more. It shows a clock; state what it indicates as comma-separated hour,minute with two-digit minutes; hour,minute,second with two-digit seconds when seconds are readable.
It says 4,35
